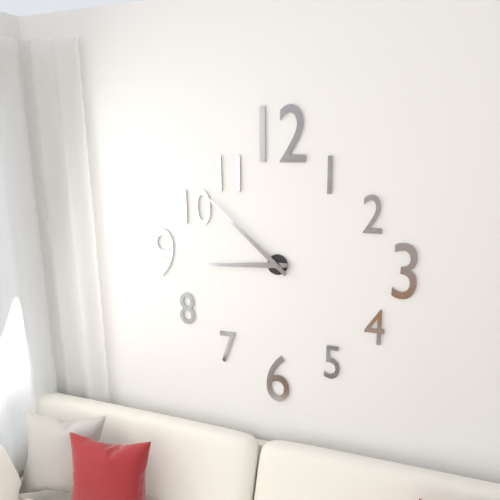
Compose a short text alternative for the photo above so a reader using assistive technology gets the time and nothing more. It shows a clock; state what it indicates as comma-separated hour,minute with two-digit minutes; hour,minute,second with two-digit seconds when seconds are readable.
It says 8,52
